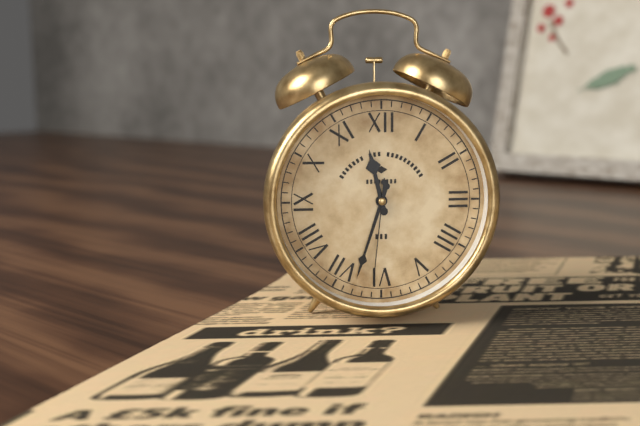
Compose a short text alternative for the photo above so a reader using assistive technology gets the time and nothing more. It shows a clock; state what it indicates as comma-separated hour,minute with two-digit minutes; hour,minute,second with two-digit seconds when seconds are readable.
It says 11,33,31
